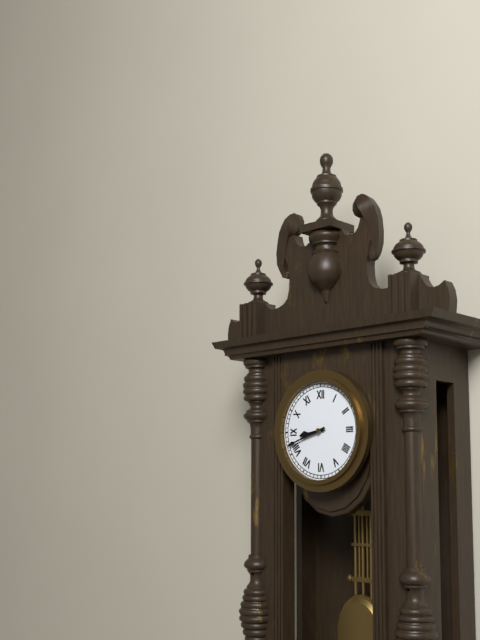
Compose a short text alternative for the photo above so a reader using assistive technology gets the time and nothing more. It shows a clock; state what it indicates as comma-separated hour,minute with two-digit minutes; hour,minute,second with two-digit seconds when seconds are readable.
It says 8,42
